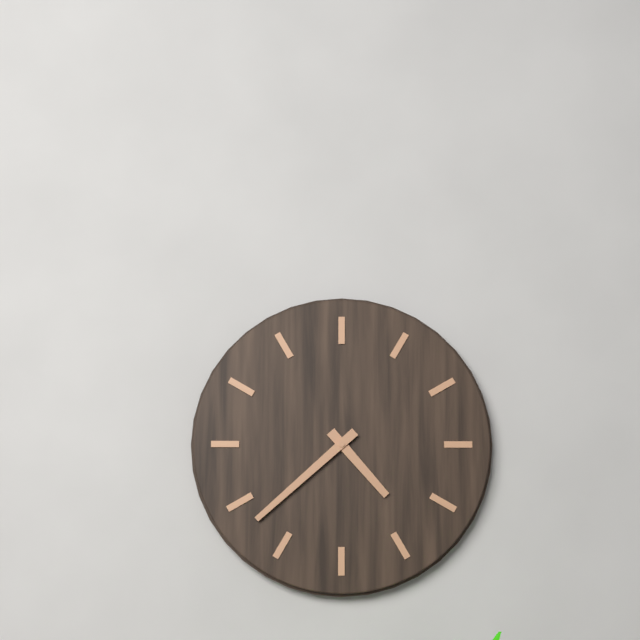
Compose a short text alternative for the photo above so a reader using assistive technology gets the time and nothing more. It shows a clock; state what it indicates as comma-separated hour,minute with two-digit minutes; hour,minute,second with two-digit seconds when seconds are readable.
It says 4,38
